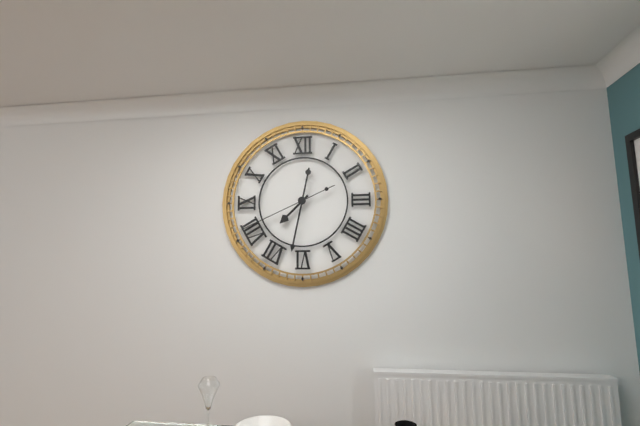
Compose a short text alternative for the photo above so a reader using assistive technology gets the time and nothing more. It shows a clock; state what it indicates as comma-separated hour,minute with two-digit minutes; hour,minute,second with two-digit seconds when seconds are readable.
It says 7,32,41
